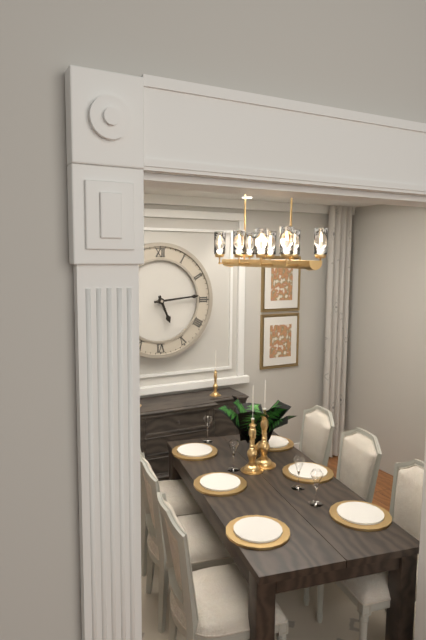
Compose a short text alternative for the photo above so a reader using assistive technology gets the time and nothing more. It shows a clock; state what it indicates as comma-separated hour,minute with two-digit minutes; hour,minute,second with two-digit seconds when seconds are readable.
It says 5,14
